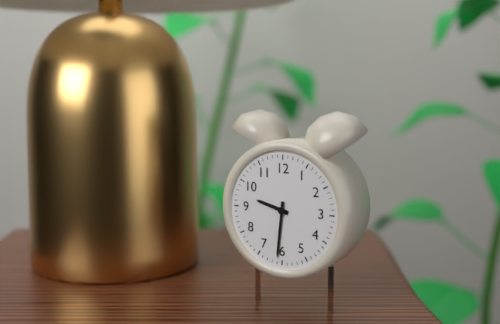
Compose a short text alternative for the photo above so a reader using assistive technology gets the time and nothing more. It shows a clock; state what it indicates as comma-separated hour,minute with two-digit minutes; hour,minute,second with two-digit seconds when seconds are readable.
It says 9,31
